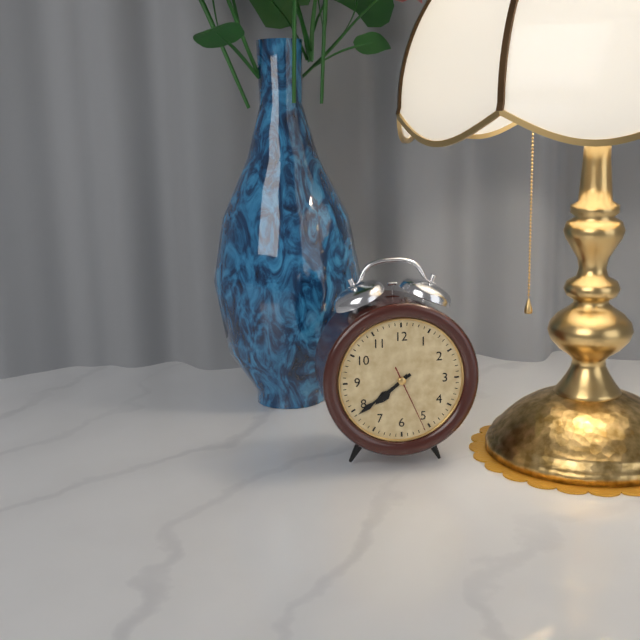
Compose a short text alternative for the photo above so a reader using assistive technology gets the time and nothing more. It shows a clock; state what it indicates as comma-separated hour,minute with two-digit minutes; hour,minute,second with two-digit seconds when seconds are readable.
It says 7,39,26
